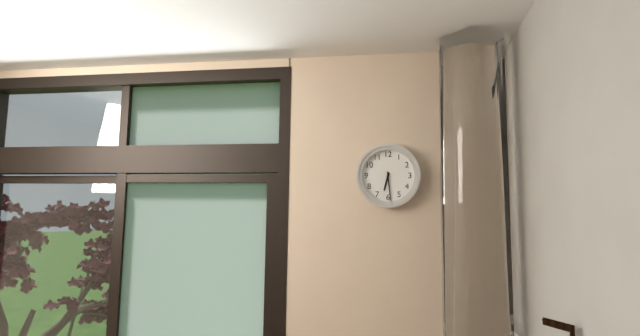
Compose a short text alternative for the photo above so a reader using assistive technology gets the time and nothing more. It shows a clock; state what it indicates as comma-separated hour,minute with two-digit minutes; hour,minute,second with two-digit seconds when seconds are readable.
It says 6,29
